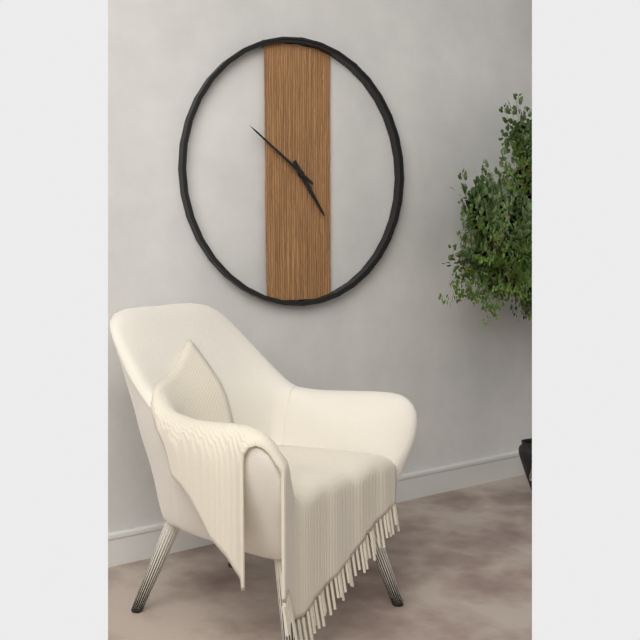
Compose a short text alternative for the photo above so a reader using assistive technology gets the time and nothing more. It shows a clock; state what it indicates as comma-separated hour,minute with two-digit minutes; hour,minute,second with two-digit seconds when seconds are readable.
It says 4,51
